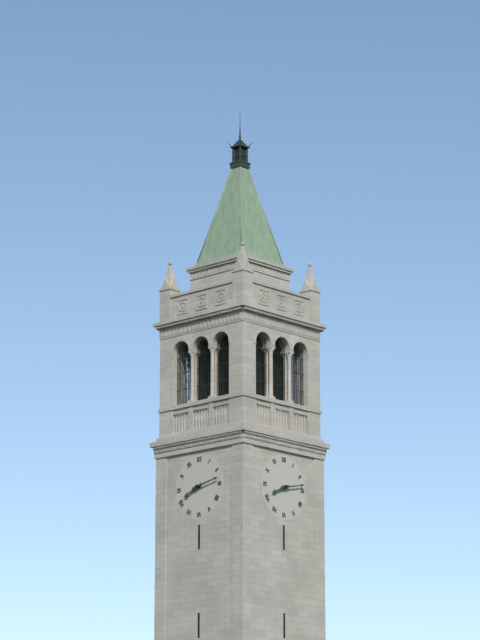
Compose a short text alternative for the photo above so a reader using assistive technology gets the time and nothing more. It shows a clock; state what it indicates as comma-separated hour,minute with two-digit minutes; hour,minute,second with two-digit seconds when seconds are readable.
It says 8,13
